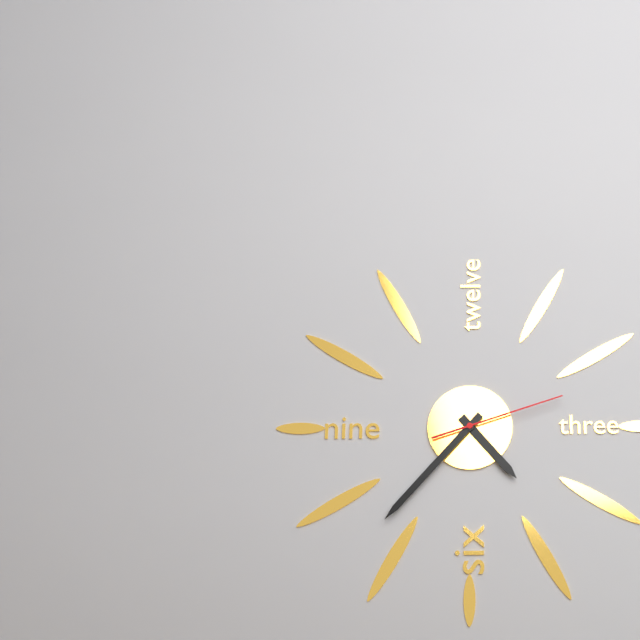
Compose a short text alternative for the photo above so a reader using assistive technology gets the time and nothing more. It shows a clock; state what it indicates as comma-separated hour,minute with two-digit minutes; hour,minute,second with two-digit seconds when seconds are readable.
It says 4,37,12
